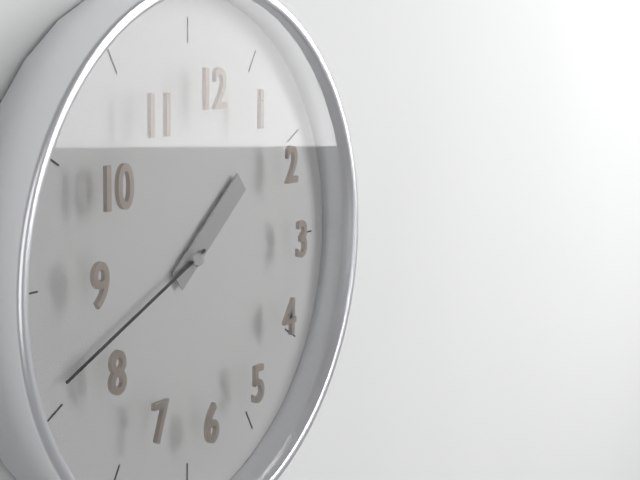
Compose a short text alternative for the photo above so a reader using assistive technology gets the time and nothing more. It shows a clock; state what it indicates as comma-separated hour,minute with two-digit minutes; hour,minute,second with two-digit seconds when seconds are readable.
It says 1,41
